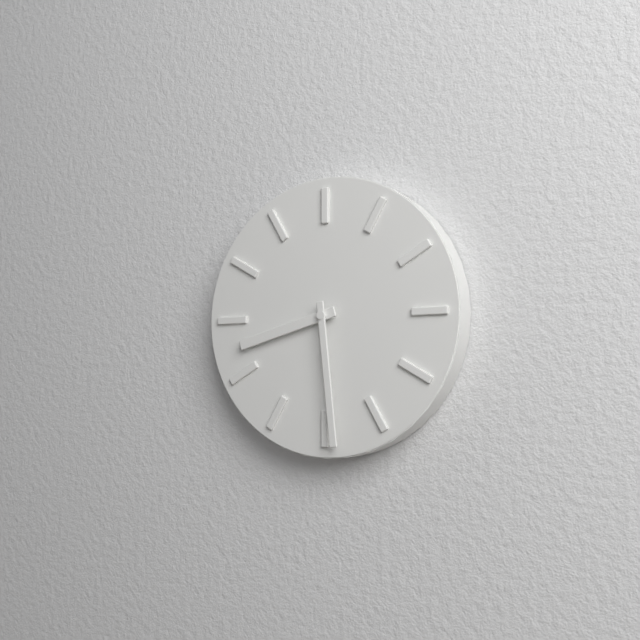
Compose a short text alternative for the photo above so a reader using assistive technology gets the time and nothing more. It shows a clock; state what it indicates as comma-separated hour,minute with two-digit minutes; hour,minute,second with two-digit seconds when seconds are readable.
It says 8,29
